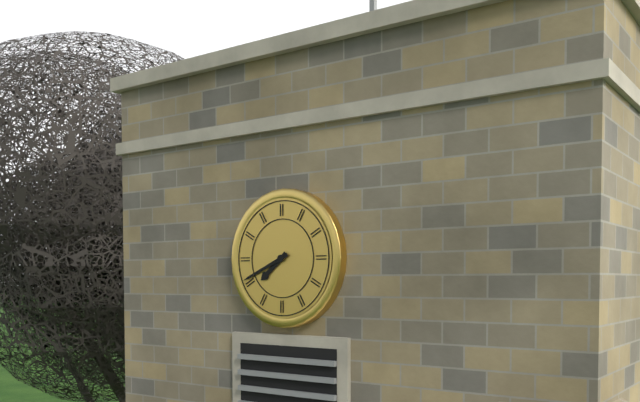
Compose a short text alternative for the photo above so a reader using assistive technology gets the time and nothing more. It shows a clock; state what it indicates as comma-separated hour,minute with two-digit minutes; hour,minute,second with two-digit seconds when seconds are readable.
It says 7,41
